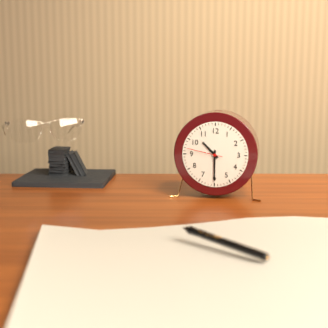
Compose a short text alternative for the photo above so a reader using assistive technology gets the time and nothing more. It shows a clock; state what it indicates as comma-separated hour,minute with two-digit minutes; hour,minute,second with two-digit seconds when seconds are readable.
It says 10,30
